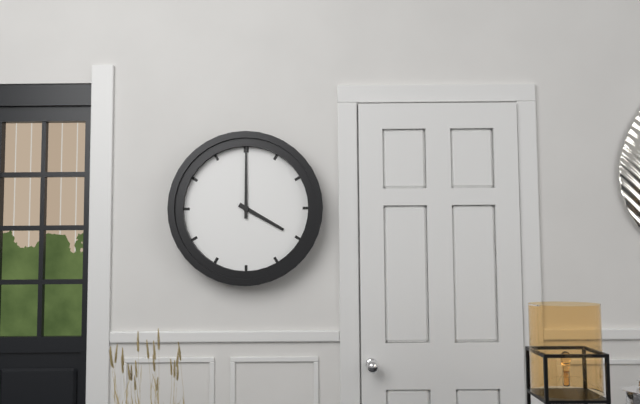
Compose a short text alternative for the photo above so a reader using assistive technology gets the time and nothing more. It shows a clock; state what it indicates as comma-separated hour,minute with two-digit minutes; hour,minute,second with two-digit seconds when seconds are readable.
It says 4,00
